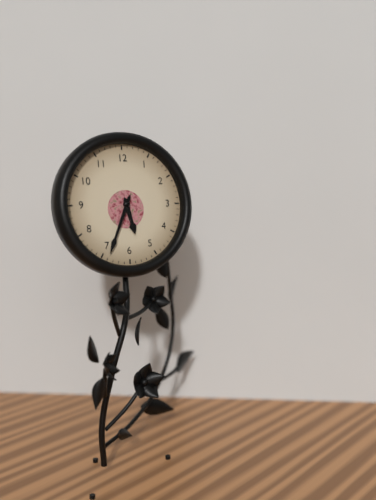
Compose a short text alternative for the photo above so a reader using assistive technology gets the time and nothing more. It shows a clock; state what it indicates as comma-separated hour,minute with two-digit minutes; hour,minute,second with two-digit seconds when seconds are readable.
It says 5,34
